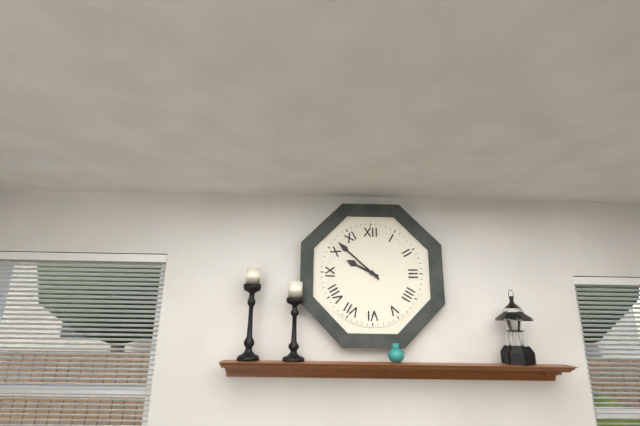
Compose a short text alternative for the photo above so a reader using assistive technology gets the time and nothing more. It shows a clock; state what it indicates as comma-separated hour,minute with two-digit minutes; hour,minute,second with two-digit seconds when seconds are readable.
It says 9,52
